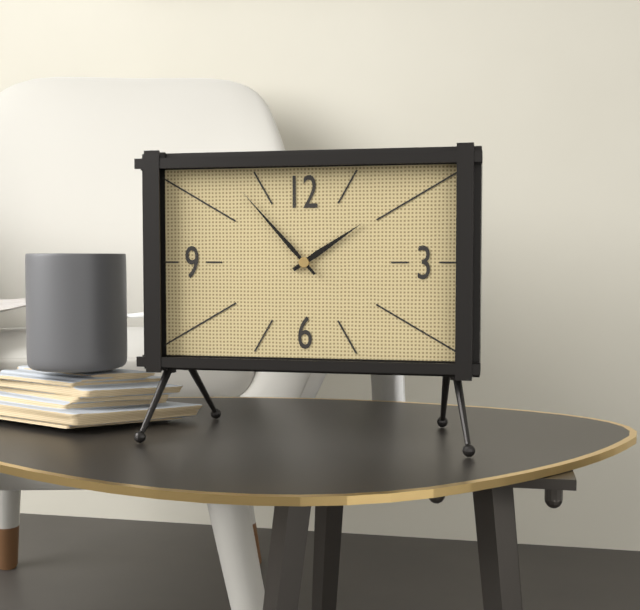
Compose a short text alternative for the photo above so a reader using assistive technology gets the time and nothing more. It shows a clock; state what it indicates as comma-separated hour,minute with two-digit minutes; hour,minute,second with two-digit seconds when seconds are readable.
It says 1,53
